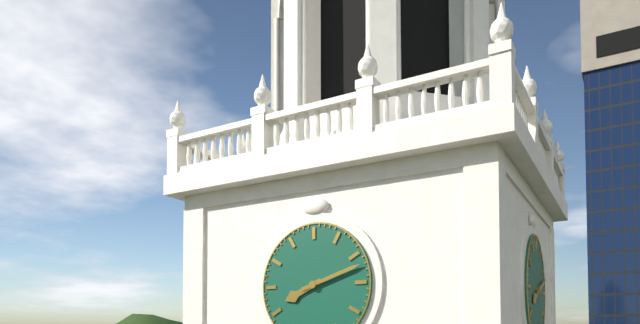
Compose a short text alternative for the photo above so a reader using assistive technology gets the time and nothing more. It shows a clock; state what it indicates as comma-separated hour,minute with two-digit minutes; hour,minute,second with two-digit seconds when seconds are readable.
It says 8,12
